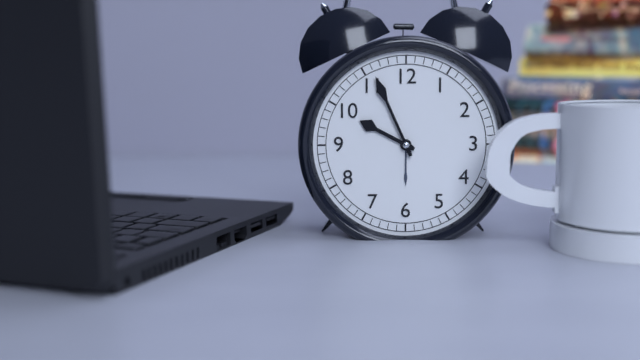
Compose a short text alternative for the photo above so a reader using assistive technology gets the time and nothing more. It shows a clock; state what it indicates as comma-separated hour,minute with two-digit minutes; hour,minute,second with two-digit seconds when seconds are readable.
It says 9,56
